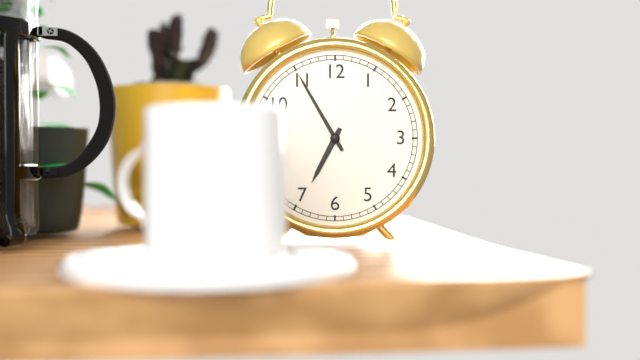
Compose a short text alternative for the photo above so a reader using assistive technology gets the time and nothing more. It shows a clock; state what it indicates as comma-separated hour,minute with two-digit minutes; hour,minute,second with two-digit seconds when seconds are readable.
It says 6,55
